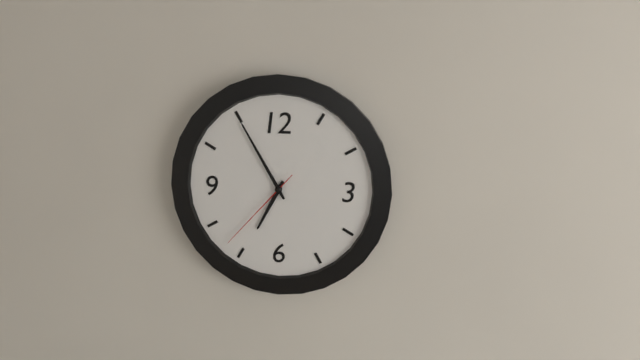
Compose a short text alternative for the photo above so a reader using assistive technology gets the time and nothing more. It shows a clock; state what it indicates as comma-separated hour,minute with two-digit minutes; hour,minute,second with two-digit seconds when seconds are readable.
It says 6,55,37
